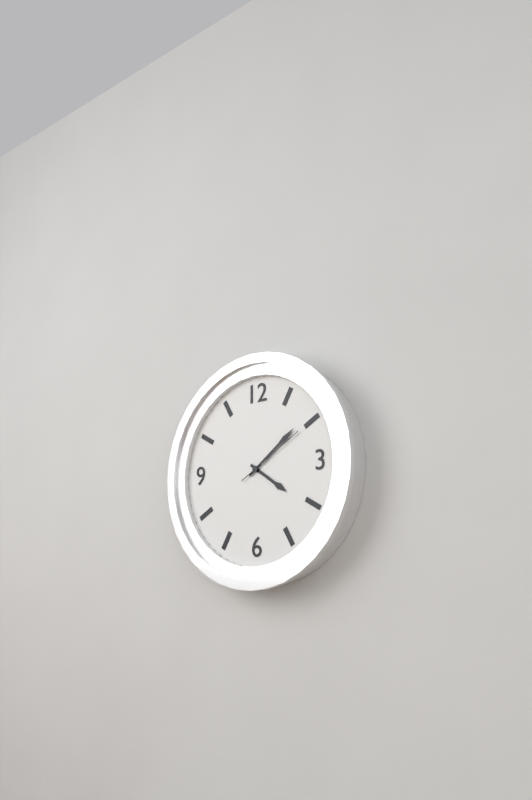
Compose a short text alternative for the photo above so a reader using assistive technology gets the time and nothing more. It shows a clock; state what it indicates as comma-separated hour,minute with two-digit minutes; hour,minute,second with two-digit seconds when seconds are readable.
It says 4,09,10
